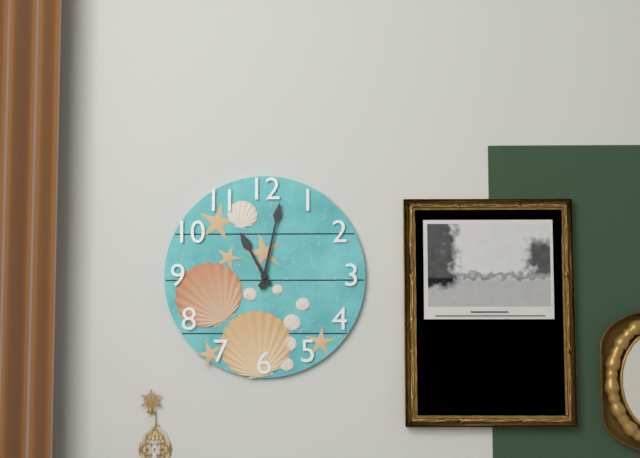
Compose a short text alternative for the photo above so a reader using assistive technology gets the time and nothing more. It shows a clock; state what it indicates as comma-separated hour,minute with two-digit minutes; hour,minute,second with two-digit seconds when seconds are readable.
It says 11,02
